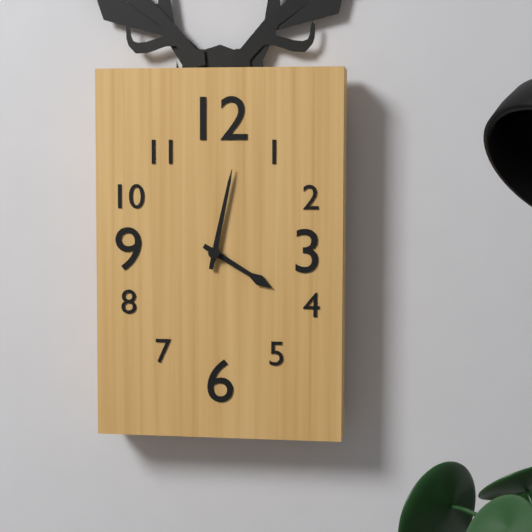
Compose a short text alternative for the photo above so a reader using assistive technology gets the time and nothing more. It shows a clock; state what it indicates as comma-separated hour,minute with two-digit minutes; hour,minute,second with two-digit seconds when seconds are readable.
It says 4,02
